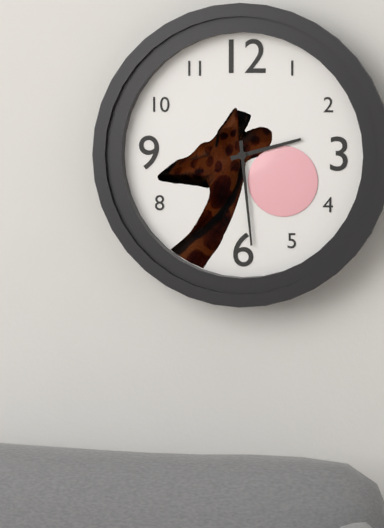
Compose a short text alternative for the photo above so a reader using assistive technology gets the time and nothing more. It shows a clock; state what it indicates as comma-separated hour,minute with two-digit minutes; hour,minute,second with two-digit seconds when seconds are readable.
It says 2,29
